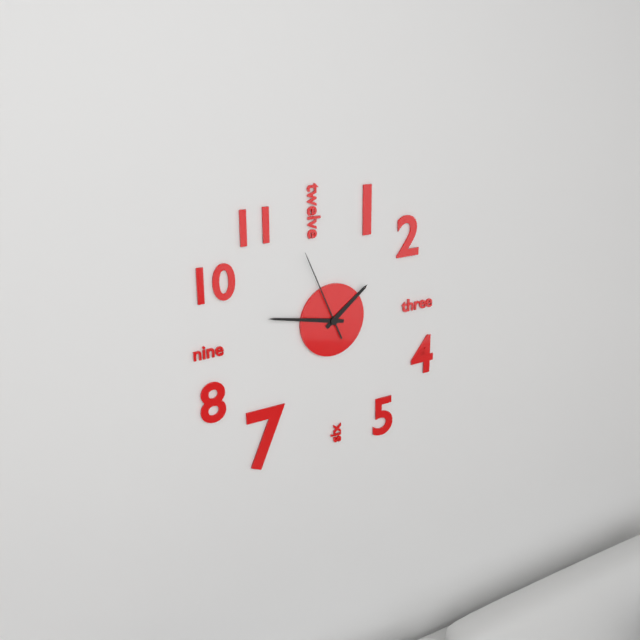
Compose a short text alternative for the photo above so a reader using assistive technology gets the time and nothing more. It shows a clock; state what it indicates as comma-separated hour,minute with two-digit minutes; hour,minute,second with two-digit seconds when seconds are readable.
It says 1,47,56
